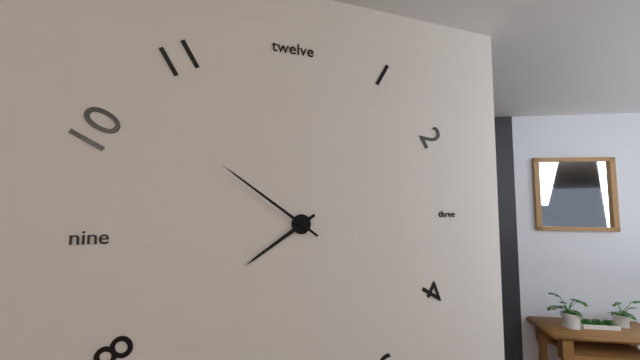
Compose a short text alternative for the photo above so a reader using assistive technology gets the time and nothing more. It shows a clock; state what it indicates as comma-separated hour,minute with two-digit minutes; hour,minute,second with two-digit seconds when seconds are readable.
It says 7,51
